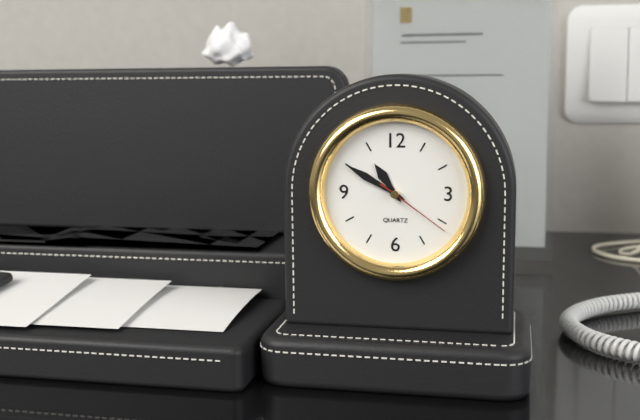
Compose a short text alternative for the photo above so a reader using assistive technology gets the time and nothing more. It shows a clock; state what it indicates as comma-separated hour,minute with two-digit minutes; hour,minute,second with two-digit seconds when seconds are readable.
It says 10,50,21
